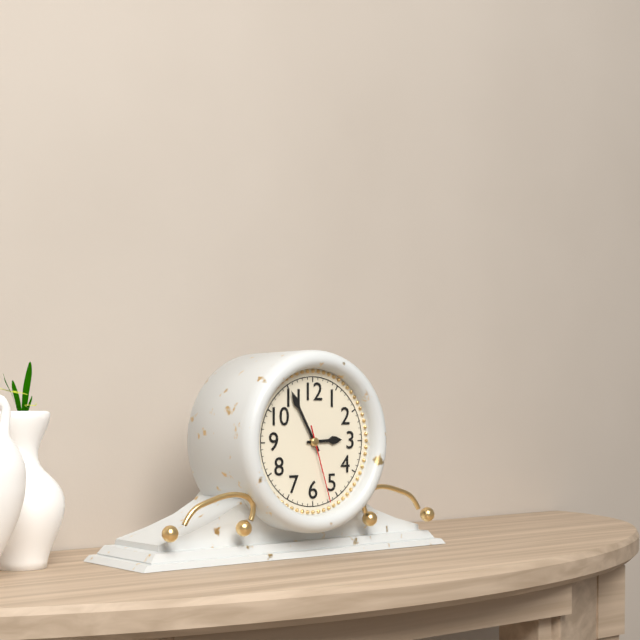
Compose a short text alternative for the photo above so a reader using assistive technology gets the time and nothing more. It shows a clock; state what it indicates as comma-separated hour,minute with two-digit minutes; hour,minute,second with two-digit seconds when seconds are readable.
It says 2,55,27
